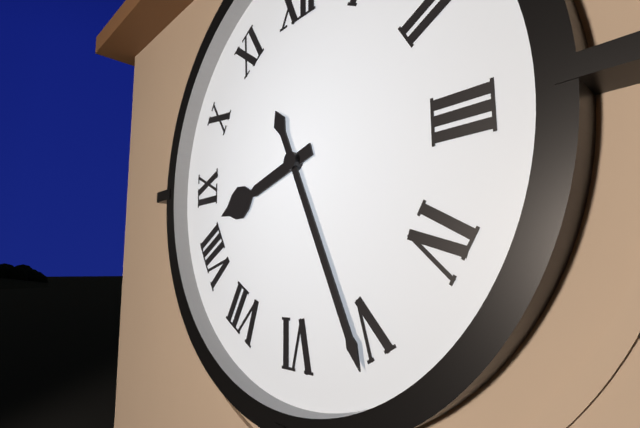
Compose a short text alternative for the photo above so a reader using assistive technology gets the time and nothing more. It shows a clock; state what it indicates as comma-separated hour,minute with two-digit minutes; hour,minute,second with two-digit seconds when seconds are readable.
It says 8,26
